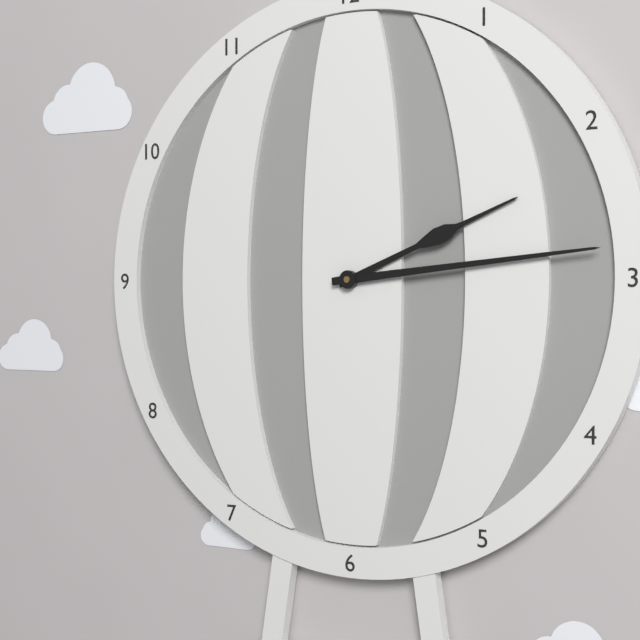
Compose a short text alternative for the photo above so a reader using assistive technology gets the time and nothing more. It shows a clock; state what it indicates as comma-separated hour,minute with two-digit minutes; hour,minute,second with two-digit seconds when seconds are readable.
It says 2,14
